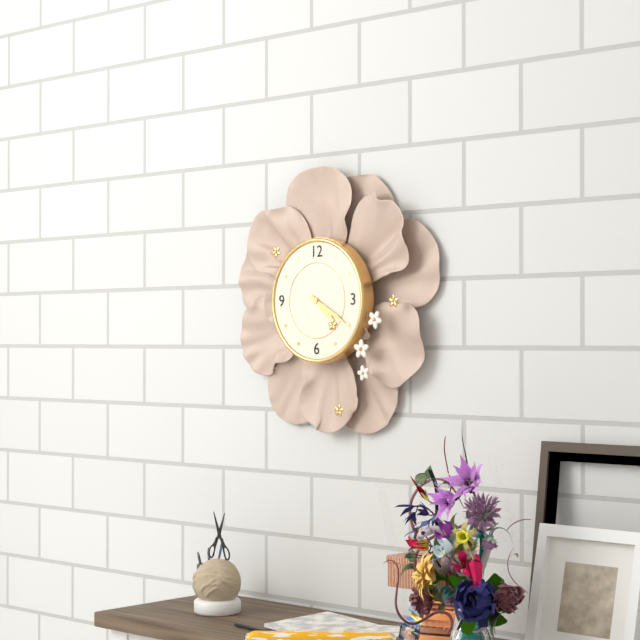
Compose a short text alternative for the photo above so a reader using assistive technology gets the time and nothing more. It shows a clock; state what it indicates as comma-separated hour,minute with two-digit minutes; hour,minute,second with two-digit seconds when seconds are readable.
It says 4,20
